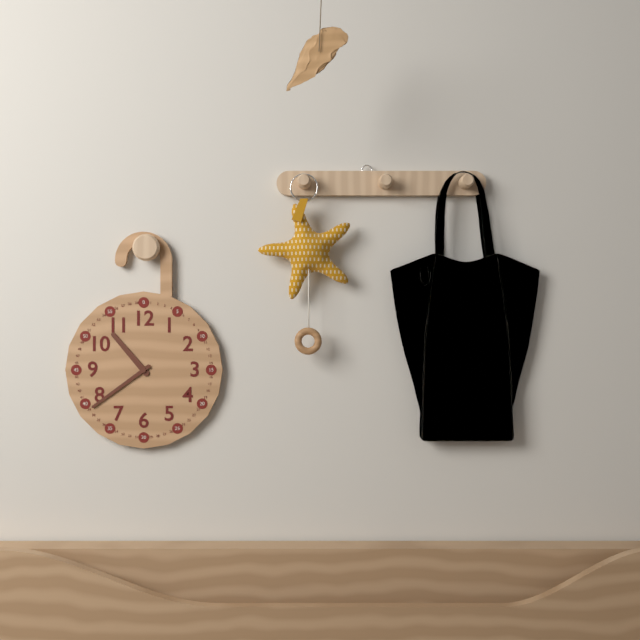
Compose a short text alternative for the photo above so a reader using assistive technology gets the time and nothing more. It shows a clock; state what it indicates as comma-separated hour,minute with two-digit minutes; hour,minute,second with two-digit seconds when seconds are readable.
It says 10,39
